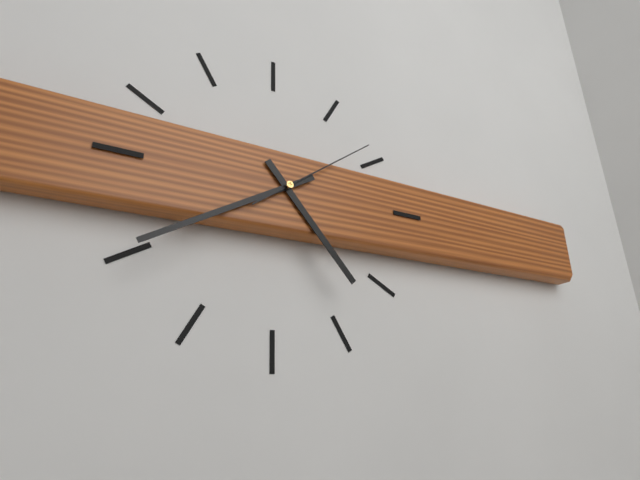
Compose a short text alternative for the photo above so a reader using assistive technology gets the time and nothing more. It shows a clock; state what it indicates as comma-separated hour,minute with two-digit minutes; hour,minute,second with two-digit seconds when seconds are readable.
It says 4,40,09
